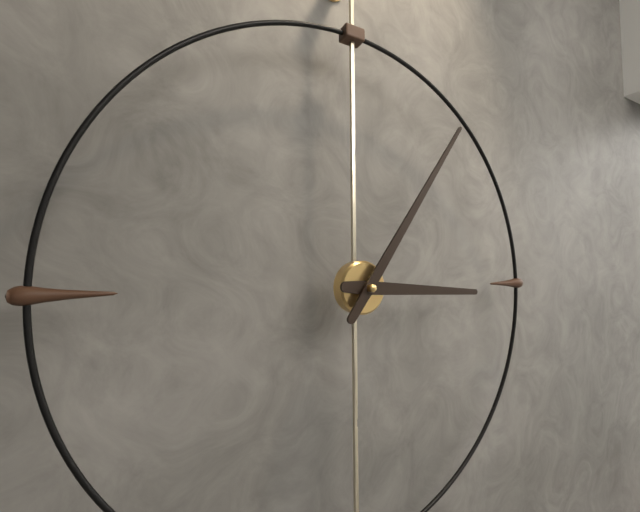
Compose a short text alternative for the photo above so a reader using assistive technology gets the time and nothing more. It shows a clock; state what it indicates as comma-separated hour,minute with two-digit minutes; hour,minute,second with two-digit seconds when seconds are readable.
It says 3,06
